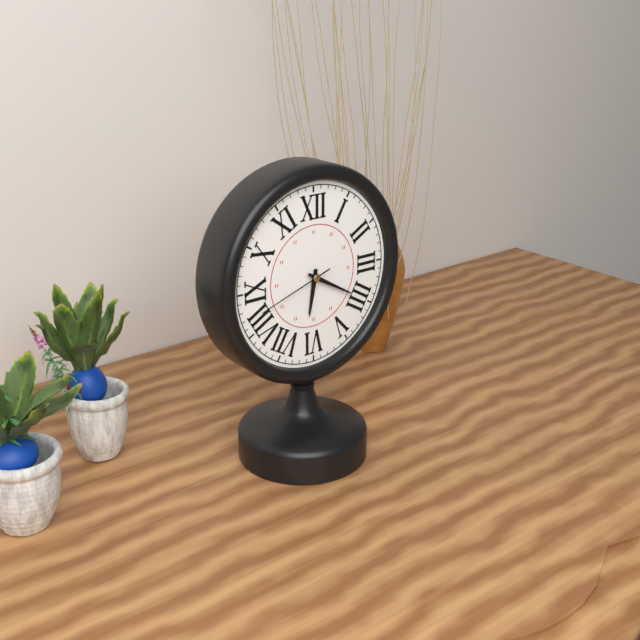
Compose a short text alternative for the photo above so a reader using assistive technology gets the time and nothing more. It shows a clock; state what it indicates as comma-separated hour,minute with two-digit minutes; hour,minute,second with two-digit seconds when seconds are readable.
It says 6,20,42
